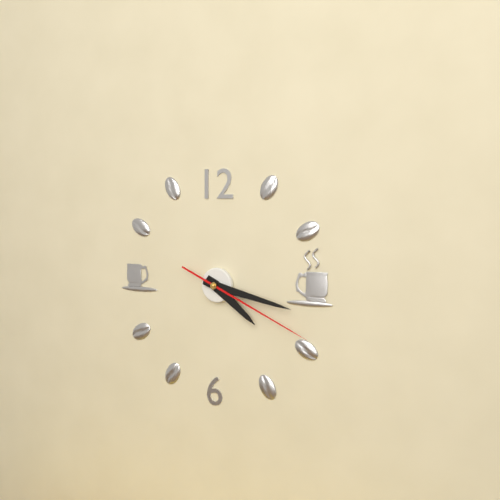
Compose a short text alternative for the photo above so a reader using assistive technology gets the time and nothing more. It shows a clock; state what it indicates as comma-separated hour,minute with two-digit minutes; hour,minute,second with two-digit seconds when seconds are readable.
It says 4,17,19
